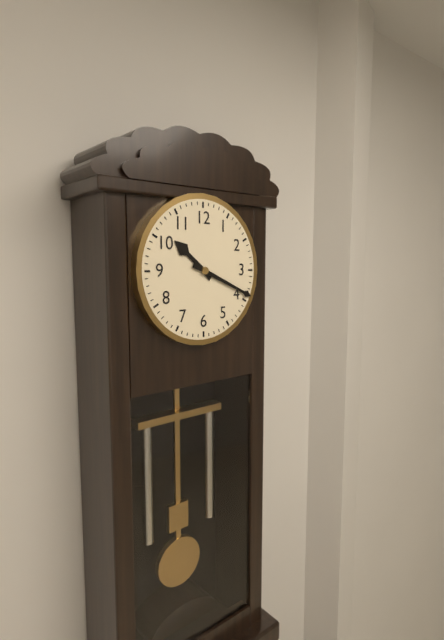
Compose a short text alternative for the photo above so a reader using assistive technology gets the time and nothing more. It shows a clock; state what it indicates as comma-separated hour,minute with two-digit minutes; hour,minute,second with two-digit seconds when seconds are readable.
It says 10,19
